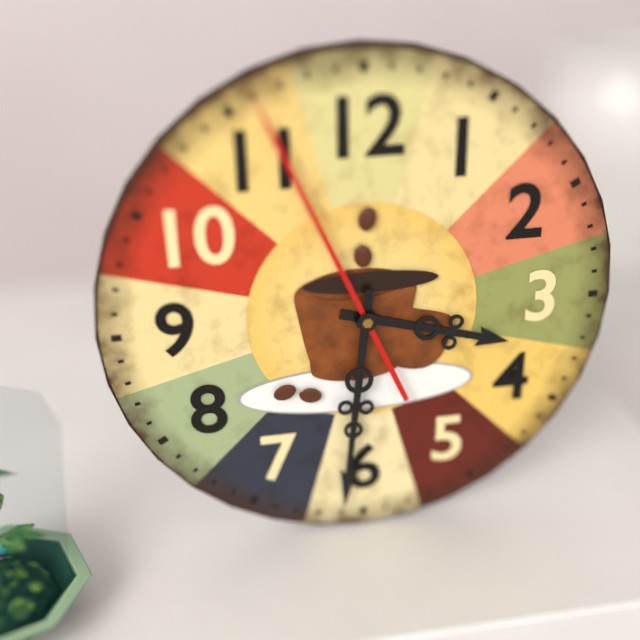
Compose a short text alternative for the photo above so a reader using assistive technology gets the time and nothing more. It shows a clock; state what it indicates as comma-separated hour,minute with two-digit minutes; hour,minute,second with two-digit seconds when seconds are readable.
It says 3,31,56
